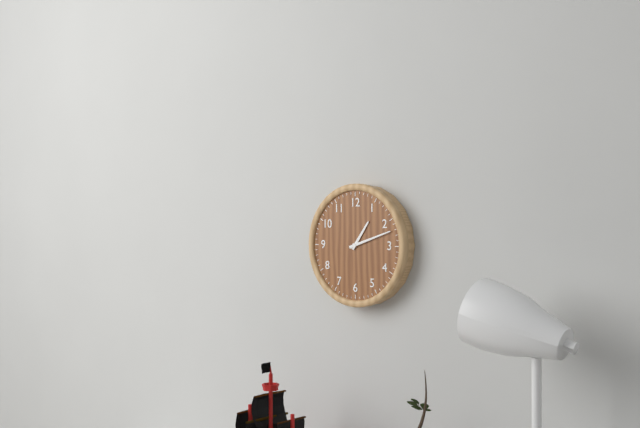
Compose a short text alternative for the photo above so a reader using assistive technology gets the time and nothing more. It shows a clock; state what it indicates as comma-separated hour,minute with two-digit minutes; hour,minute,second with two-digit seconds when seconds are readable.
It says 1,12
